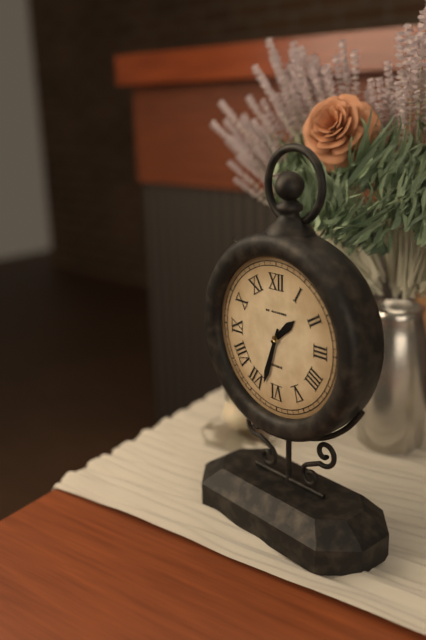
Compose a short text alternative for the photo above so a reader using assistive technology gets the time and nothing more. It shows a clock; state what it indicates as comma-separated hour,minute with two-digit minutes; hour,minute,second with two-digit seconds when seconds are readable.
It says 1,33
